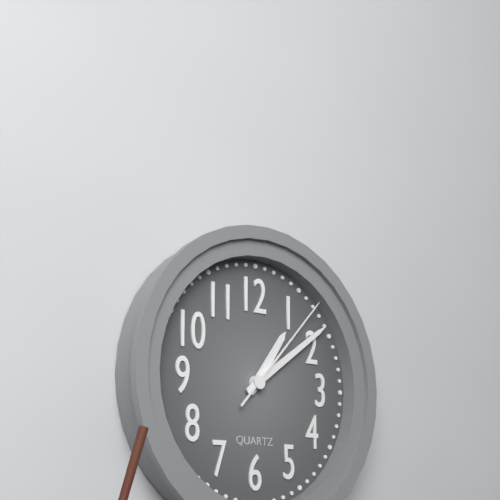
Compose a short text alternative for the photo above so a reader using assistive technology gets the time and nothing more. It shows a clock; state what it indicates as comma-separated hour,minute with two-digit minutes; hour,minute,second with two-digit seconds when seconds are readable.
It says 1,09,07
